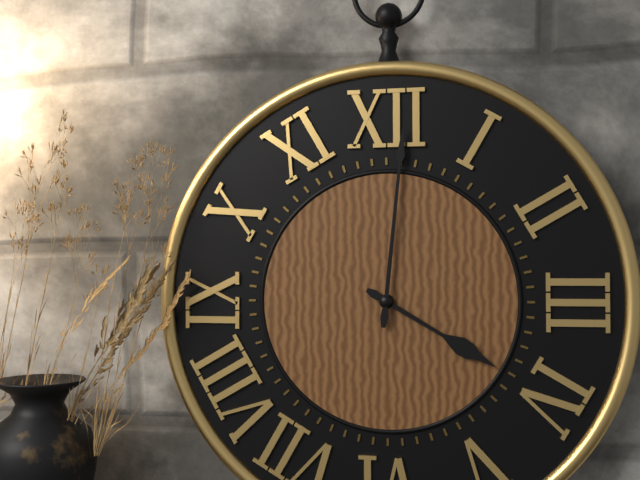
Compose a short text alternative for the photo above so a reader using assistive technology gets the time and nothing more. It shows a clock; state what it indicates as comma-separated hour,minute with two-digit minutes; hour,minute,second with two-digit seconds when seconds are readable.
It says 4,01
